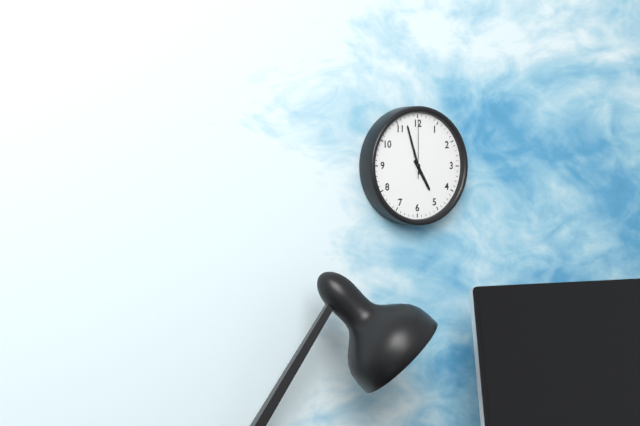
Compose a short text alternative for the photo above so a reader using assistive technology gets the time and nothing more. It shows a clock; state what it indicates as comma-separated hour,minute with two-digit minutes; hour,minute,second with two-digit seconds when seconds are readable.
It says 4,57,00
